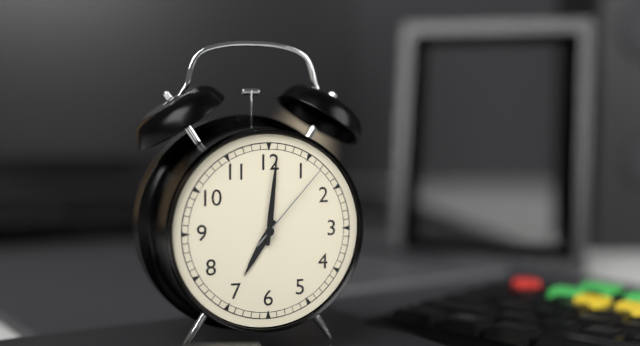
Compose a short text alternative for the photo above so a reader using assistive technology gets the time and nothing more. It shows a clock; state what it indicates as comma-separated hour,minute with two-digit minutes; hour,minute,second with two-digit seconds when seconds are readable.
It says 7,01,07
